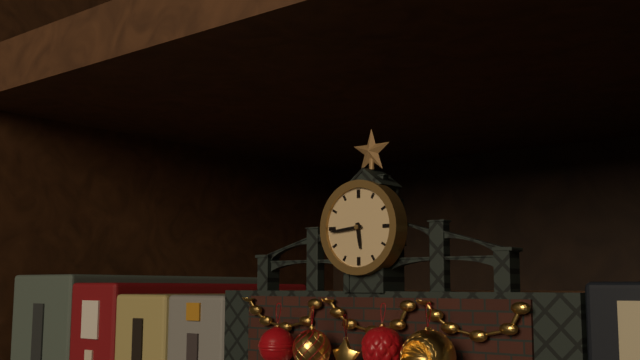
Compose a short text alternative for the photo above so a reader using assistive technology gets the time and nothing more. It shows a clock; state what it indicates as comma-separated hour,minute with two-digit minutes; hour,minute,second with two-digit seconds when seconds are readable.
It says 5,44
